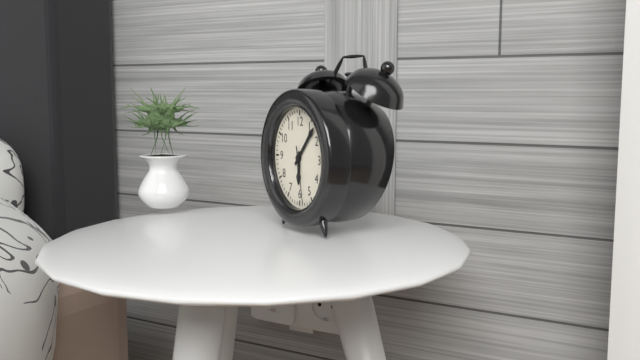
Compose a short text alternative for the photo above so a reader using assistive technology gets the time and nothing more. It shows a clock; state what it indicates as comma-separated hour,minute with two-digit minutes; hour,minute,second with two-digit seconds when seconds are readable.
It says 6,07,28
